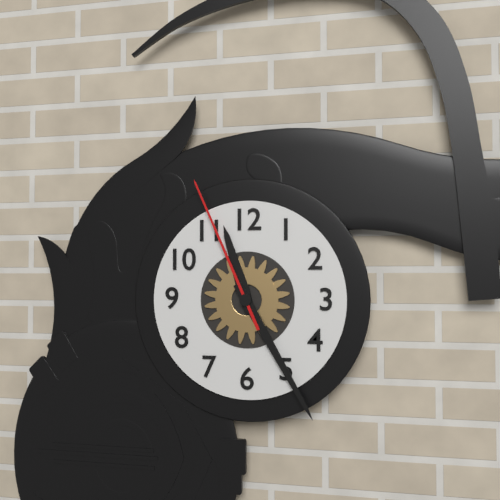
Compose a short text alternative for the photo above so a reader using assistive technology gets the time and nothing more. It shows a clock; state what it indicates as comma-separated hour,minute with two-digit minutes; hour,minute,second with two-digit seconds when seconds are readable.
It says 11,25,56
